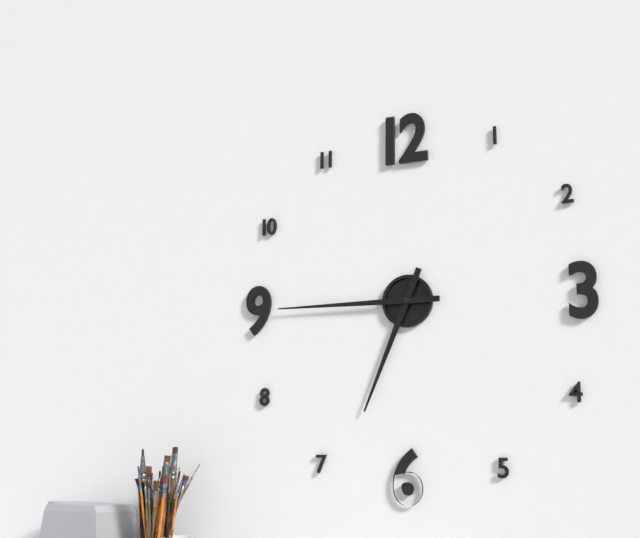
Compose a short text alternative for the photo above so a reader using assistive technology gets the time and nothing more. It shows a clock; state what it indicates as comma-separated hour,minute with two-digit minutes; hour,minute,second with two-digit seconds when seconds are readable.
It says 6,45
